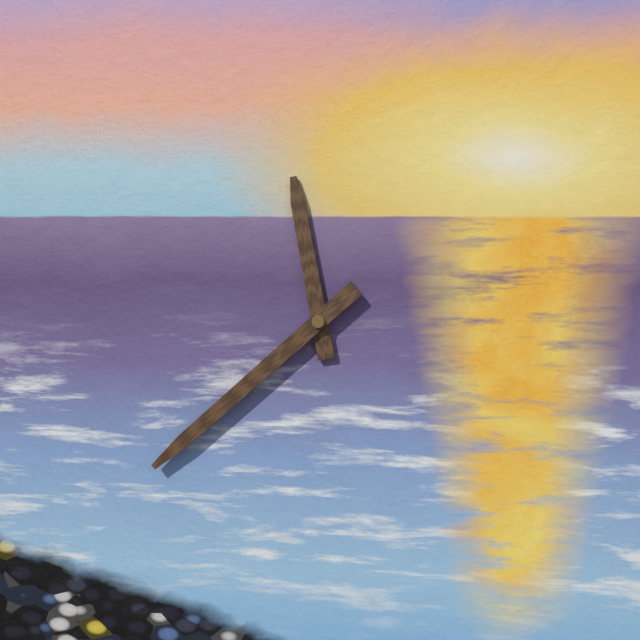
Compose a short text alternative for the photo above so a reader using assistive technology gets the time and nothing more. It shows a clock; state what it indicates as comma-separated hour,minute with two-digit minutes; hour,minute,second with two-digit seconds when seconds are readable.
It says 11,38
